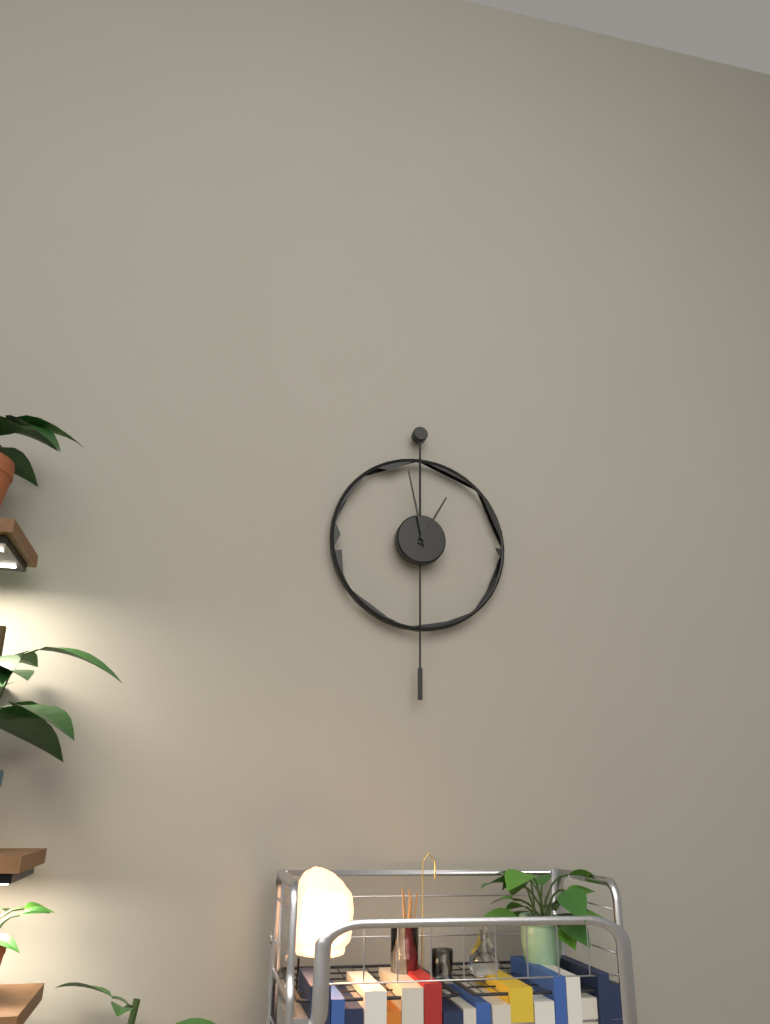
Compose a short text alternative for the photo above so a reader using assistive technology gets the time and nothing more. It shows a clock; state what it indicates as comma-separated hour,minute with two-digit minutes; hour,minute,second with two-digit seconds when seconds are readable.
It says 12,58
